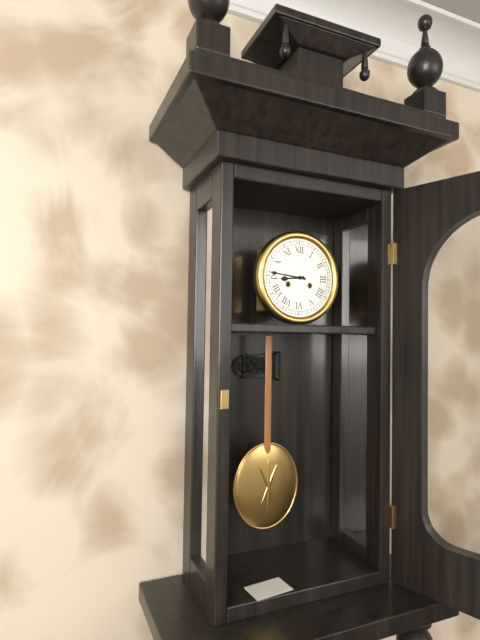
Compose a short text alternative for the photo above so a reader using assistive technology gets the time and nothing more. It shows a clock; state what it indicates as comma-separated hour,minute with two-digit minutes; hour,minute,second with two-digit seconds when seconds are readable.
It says 8,46
